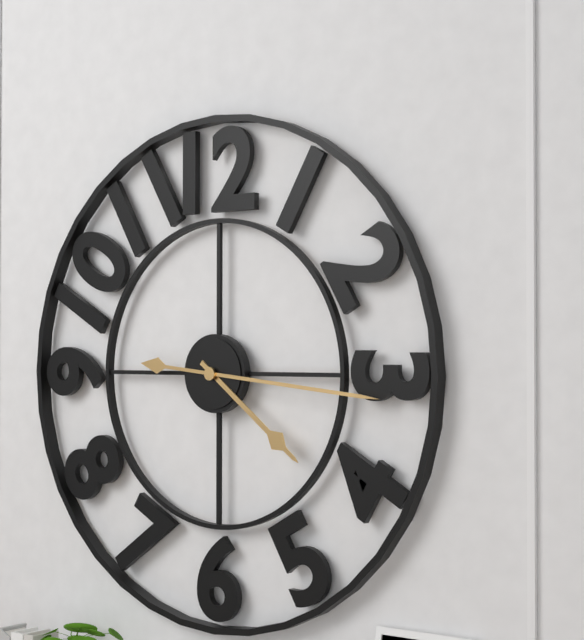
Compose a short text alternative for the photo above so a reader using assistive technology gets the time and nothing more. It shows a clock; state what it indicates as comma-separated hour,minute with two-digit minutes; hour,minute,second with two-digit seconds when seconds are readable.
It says 4,16
